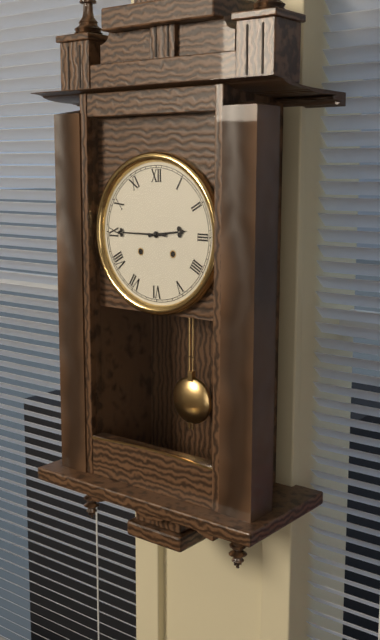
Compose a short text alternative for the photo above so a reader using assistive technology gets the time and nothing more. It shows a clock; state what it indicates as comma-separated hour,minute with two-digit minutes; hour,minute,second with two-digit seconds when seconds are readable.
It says 2,45
